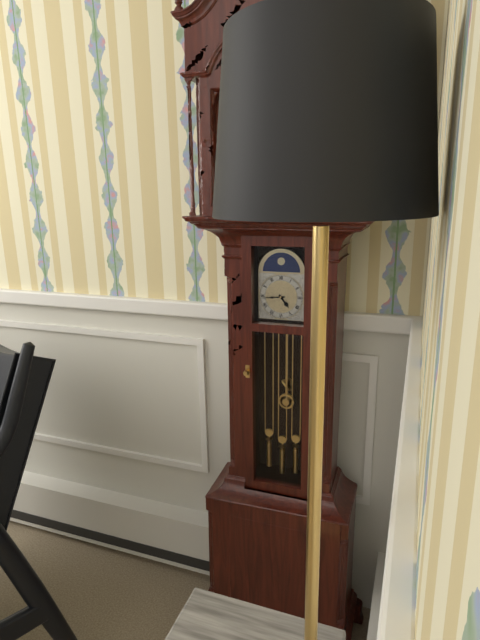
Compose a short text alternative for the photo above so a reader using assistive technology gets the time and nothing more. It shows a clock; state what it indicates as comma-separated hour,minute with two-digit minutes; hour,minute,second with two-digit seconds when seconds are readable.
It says 4,44
